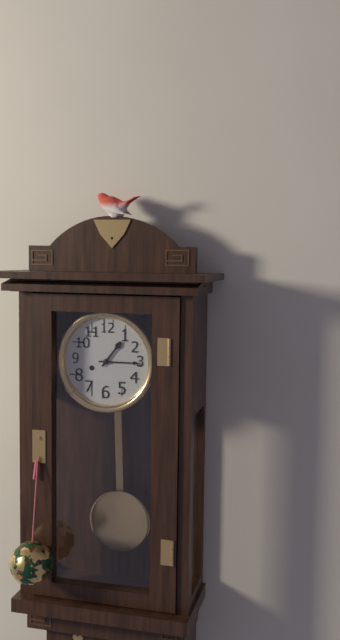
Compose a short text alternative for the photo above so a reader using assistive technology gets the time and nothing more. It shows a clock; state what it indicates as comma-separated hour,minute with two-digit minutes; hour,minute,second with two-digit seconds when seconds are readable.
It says 1,15
